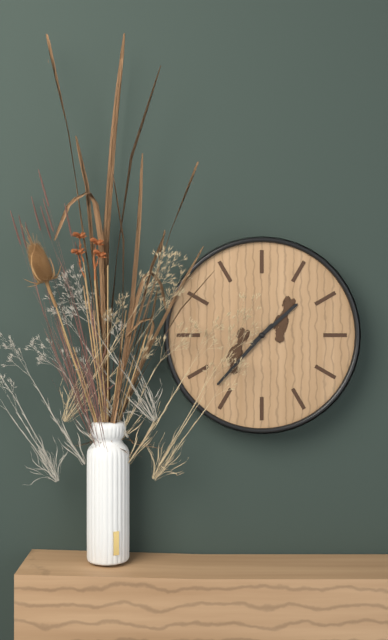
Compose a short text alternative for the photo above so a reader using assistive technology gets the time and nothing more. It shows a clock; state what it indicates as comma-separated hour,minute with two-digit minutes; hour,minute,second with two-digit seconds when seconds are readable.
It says 1,37
